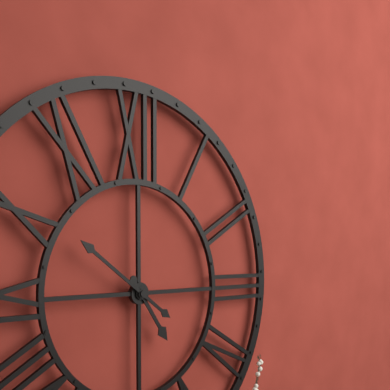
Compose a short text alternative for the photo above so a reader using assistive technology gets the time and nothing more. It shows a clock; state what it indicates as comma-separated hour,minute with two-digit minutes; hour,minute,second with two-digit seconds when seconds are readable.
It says 4,51
